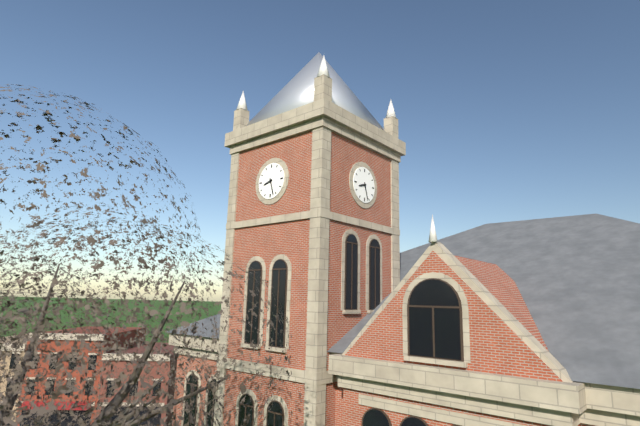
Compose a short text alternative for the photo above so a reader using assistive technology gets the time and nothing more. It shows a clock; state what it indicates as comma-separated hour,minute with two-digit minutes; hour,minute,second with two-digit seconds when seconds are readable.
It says 8,27
